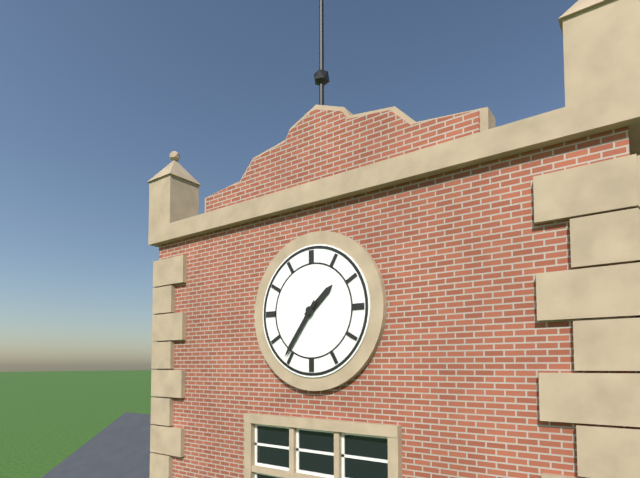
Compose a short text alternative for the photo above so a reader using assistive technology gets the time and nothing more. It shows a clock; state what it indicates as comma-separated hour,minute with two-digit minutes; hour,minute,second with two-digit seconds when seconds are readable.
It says 1,36
